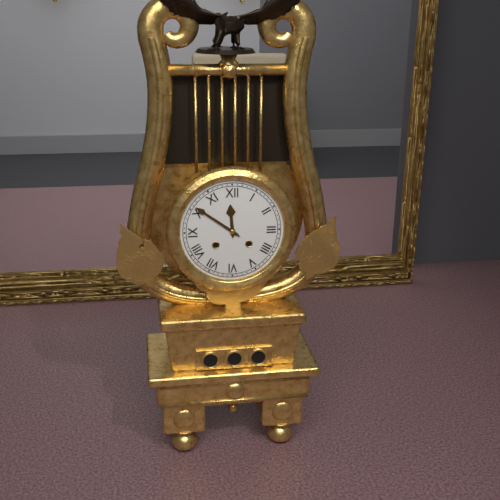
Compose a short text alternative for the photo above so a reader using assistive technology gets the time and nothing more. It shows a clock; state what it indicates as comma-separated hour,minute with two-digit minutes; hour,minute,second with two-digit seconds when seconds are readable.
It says 11,51
